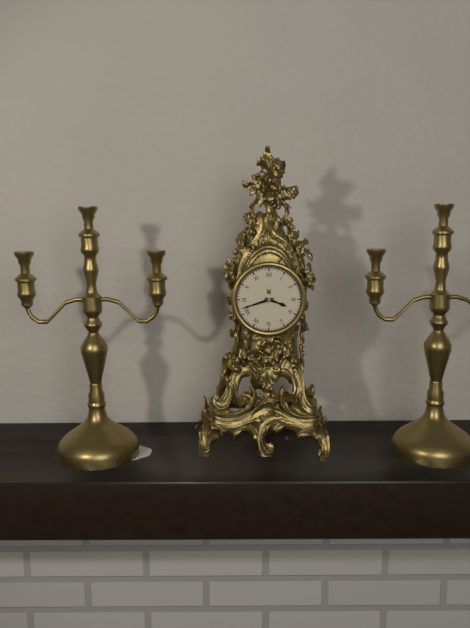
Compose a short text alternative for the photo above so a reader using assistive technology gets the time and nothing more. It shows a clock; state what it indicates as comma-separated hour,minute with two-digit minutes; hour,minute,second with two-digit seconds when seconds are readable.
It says 3,42
